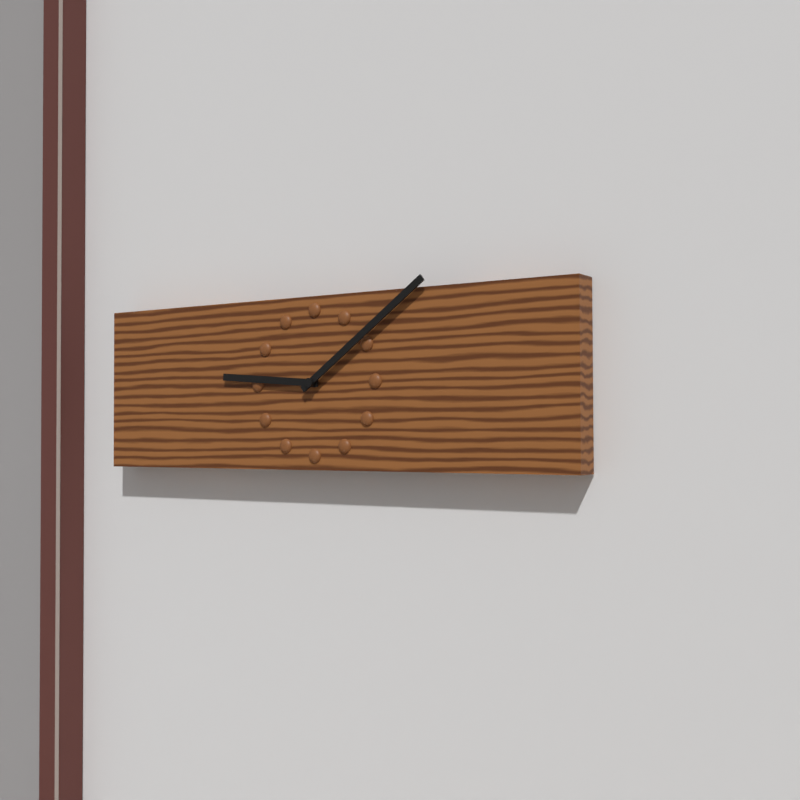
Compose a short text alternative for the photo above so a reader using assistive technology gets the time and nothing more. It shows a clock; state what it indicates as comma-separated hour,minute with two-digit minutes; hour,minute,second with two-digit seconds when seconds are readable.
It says 9,09
